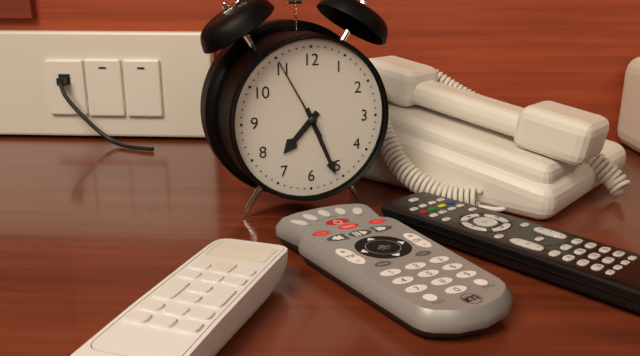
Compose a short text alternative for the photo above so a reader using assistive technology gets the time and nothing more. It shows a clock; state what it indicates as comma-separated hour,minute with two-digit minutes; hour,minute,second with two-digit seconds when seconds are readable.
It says 7,26,55
